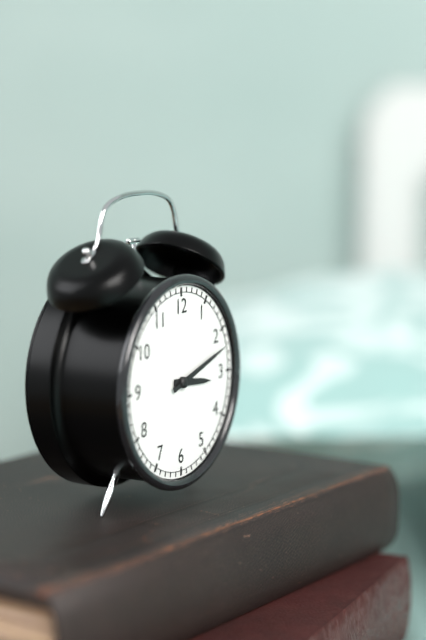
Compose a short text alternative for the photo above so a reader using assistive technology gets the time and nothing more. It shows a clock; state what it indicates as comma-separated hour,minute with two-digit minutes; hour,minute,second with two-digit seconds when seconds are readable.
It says 3,12
